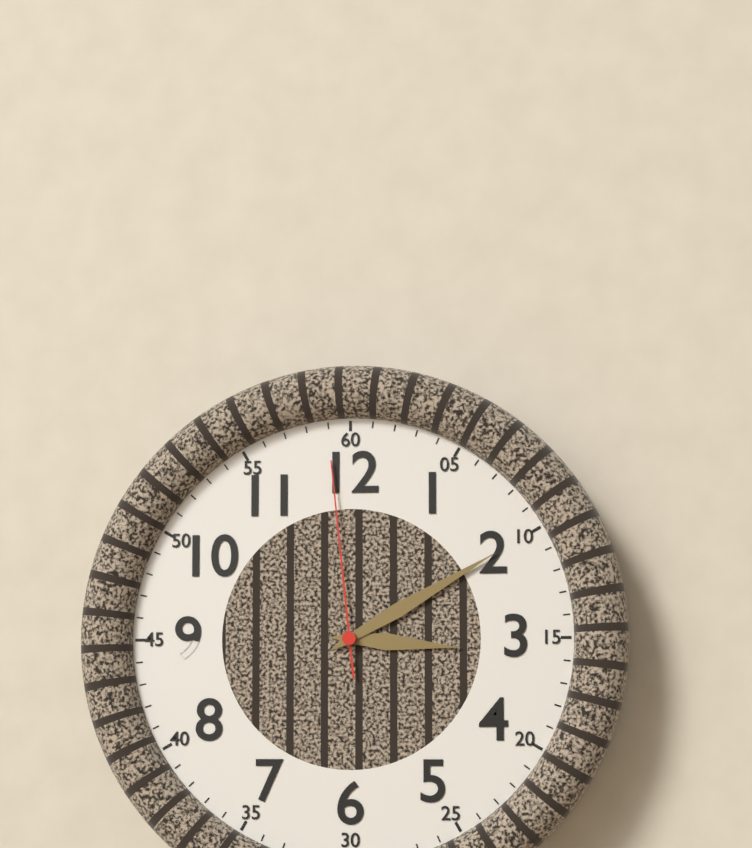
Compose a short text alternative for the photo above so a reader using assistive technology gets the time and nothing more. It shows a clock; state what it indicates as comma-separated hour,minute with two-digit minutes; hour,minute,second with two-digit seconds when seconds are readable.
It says 3,10,59
